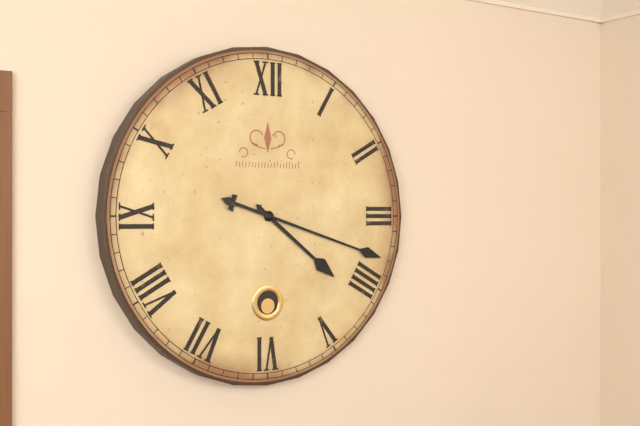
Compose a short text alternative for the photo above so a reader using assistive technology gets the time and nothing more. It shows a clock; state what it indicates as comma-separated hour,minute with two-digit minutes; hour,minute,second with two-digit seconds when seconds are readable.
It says 4,18
